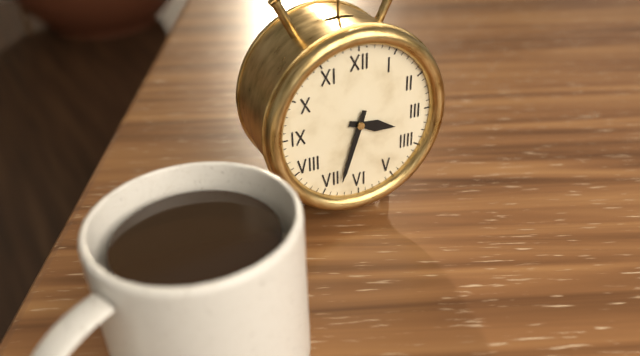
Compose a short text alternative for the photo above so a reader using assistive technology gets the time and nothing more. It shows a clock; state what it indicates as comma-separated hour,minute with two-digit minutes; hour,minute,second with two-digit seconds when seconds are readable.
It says 3,33
